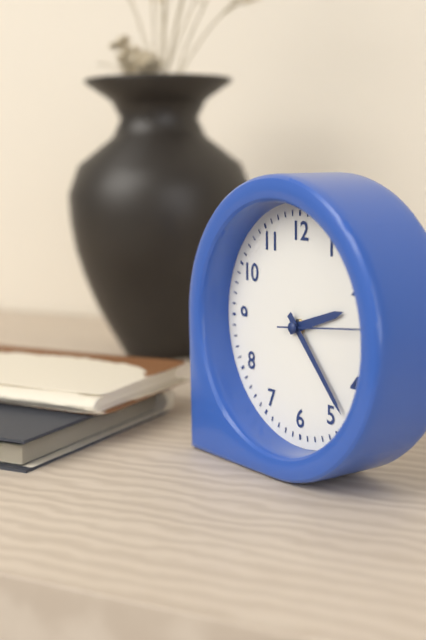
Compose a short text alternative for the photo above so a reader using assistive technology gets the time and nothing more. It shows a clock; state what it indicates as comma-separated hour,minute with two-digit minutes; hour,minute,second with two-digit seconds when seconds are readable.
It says 2,23,14
